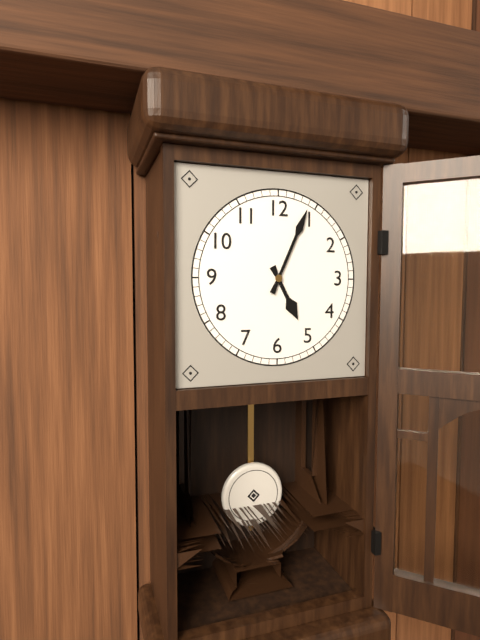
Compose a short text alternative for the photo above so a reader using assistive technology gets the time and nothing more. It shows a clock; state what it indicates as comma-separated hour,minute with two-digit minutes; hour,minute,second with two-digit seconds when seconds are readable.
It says 5,04
